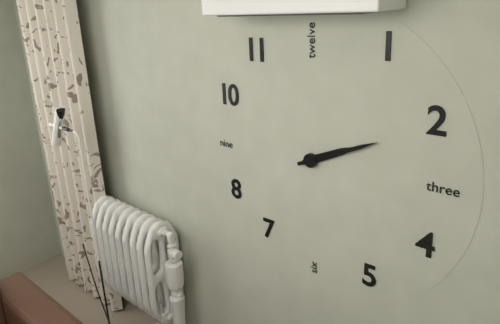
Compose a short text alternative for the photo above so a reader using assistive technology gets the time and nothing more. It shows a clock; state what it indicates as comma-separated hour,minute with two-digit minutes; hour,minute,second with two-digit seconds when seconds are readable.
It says 2,11
